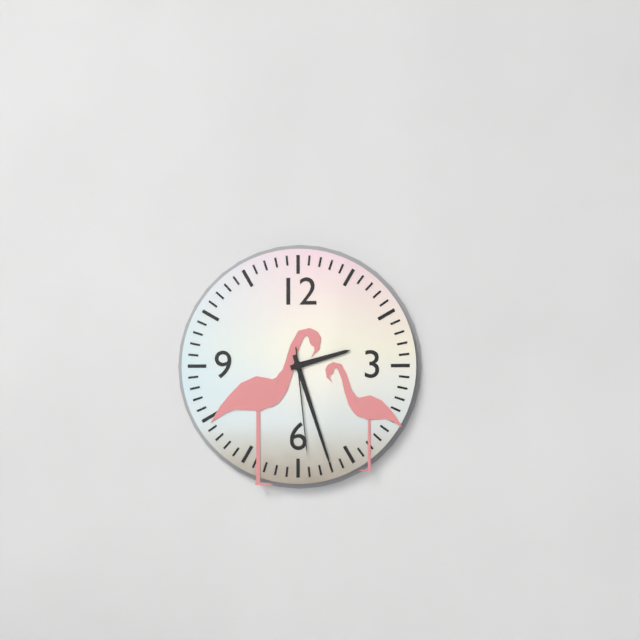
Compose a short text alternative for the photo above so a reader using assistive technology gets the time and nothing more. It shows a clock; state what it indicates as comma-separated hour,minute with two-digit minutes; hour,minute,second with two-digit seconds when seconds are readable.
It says 2,27,29
